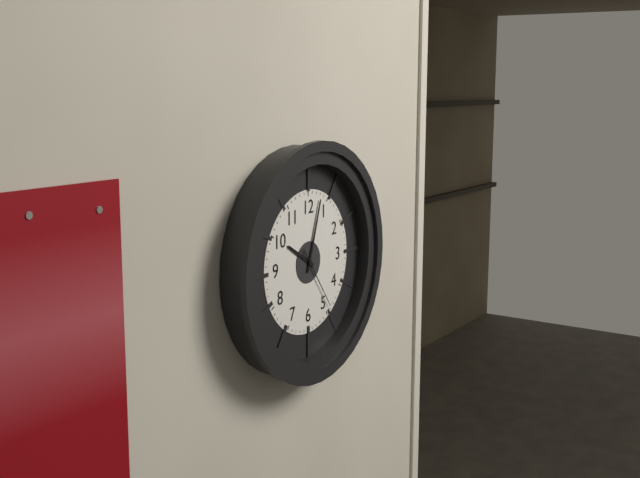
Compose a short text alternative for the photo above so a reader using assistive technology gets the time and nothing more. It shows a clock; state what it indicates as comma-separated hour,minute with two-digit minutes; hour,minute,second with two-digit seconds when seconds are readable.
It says 10,03,24
